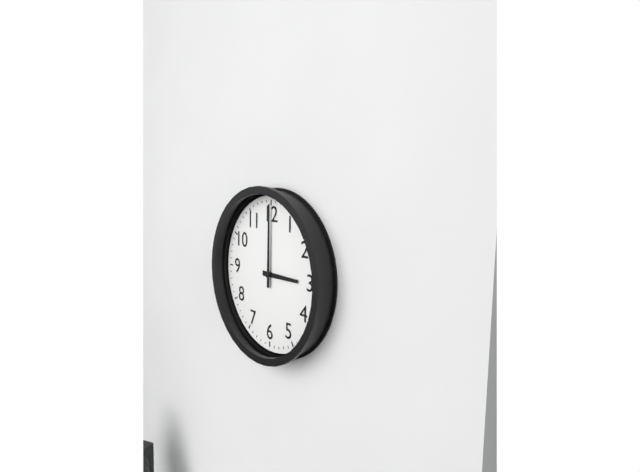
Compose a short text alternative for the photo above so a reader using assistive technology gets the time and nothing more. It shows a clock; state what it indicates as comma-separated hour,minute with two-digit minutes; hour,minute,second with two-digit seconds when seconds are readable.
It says 3,00
